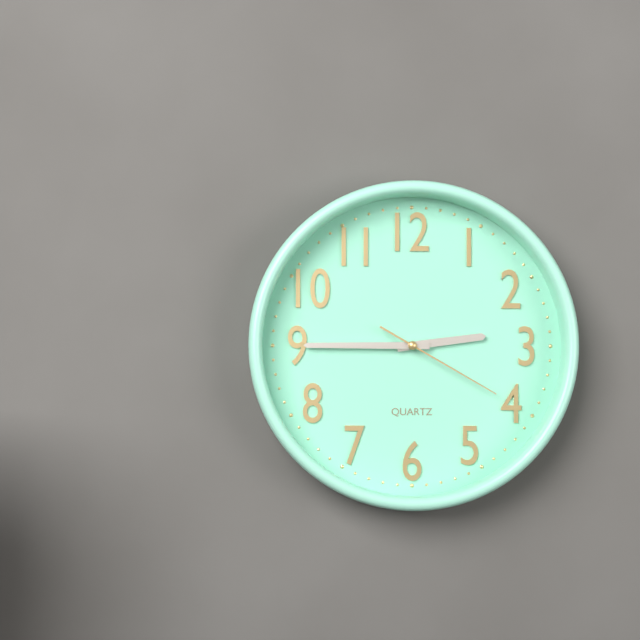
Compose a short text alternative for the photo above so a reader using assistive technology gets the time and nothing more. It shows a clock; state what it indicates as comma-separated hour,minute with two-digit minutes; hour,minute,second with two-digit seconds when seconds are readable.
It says 2,45,20
